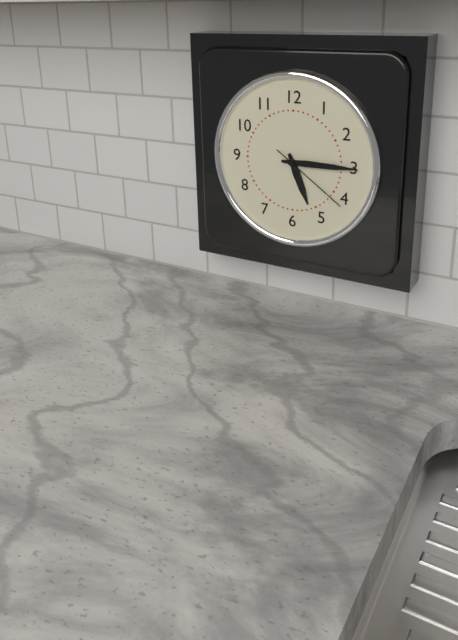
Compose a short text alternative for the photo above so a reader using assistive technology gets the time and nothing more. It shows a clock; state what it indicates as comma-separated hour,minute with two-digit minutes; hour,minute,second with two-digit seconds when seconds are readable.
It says 5,15,21
